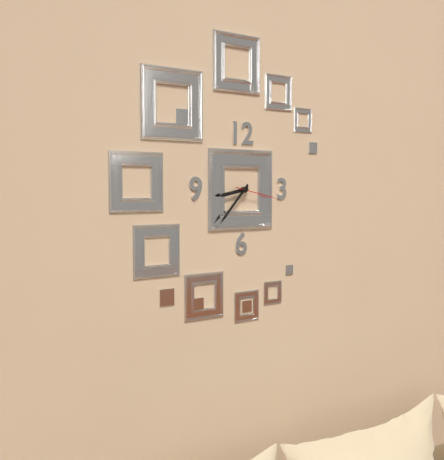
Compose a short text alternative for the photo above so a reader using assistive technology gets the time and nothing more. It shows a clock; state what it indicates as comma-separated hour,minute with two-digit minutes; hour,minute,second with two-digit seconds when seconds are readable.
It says 8,37
